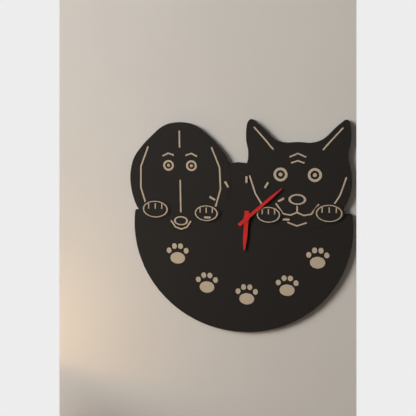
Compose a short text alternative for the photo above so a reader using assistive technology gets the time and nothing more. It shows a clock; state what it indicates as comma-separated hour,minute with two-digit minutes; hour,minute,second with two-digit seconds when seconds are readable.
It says 6,08
